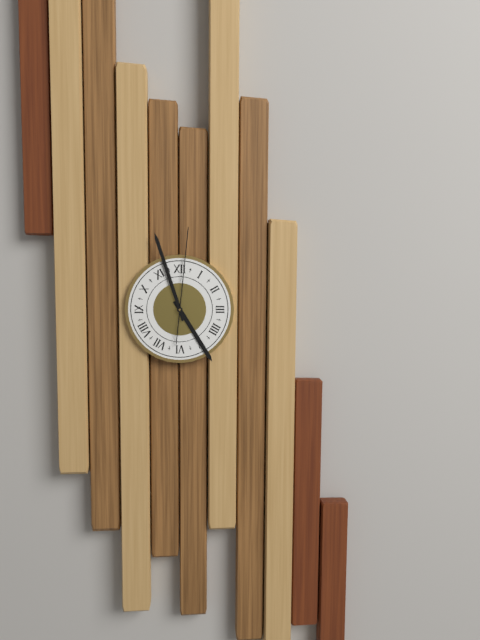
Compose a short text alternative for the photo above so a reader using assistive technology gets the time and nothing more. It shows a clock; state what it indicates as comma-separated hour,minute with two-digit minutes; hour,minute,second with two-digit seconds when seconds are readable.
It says 4,57,01
